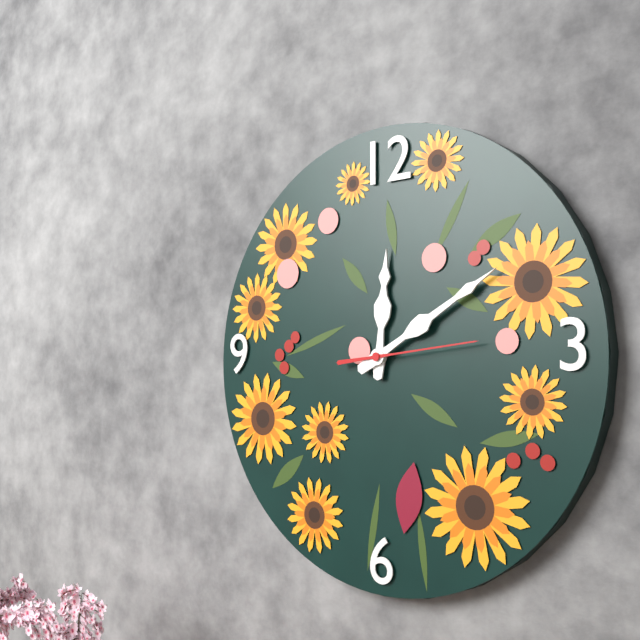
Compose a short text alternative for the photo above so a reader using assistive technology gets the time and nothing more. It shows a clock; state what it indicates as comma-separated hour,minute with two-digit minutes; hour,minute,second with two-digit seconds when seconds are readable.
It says 12,10,14
